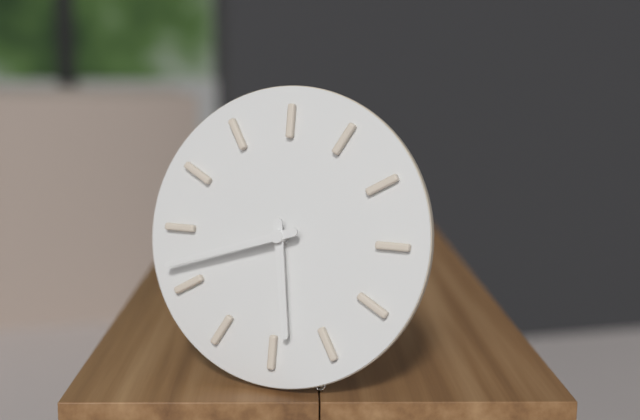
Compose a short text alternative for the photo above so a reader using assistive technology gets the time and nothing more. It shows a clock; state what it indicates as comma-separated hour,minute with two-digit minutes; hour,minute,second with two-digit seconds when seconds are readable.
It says 5,42
